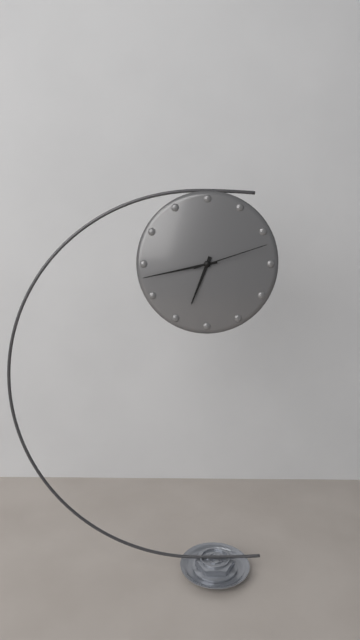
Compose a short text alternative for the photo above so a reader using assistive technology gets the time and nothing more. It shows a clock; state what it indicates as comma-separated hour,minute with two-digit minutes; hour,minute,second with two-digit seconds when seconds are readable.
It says 6,43,12
